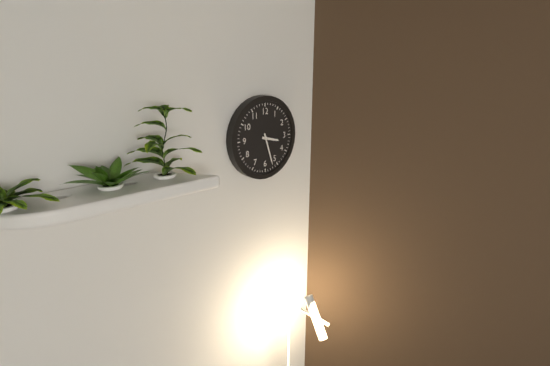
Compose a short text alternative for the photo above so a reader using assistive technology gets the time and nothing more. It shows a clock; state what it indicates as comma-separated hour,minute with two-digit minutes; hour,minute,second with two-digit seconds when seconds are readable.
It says 3,27
